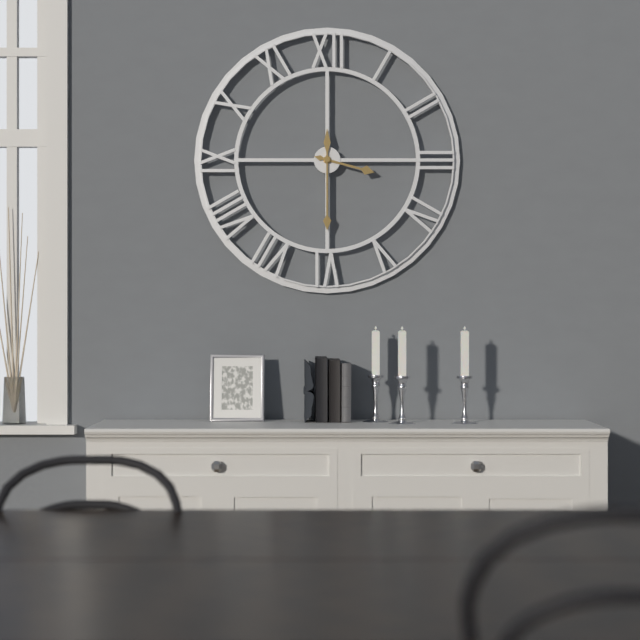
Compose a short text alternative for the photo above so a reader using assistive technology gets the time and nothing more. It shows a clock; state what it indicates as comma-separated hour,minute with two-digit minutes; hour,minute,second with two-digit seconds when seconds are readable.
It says 3,30
